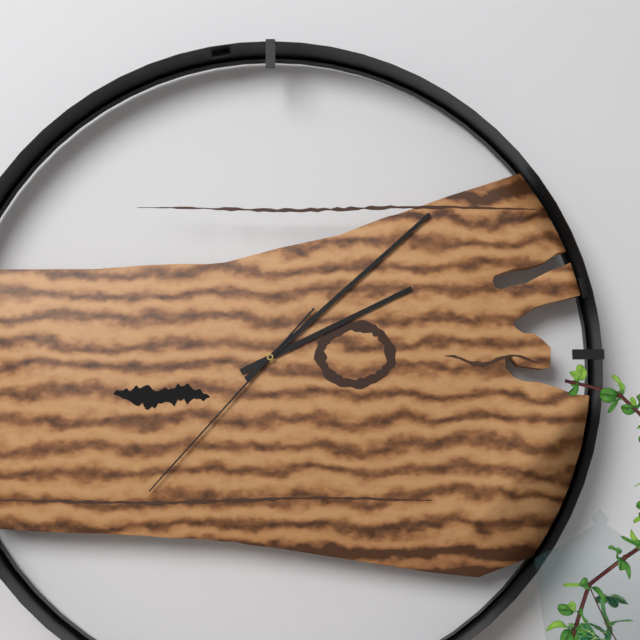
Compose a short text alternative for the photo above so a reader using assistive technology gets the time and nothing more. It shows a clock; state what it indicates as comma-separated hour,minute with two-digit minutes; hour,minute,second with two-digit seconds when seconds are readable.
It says 2,08,37
